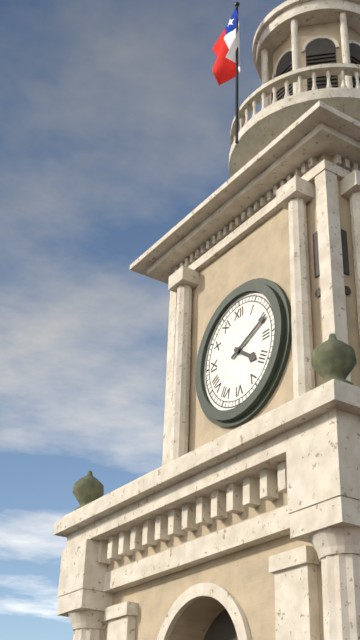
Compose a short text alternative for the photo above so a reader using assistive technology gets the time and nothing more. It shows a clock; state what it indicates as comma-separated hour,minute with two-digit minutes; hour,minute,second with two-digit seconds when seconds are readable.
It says 4,11
